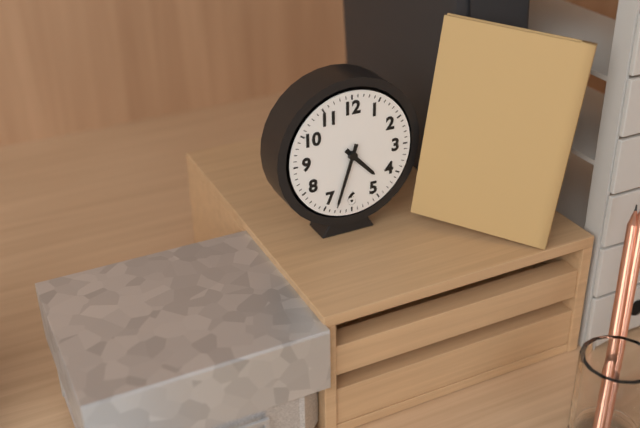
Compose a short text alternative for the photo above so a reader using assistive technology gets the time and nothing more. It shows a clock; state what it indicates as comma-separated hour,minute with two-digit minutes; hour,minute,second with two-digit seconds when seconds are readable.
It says 4,33
